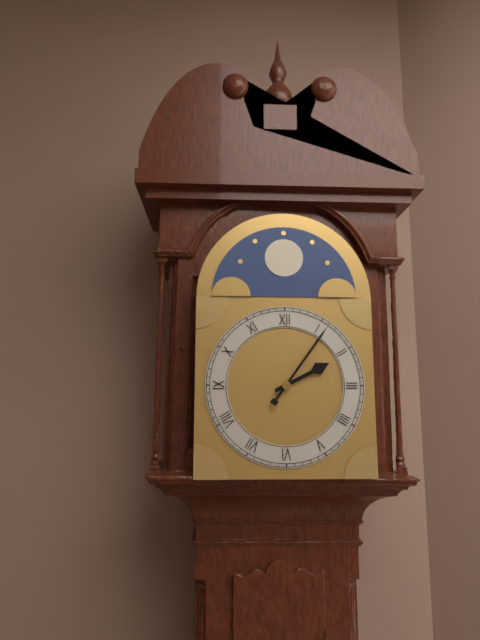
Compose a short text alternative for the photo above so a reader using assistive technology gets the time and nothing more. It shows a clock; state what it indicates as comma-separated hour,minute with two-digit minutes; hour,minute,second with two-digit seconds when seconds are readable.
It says 2,06
